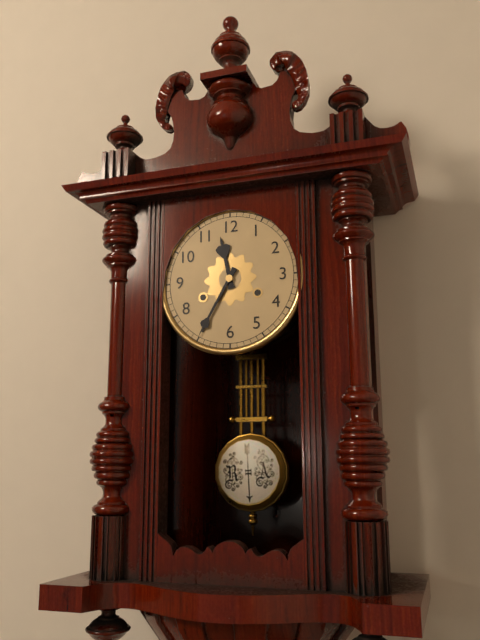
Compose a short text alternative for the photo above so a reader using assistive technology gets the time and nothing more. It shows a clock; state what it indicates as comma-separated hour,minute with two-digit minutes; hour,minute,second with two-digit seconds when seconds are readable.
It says 11,35
